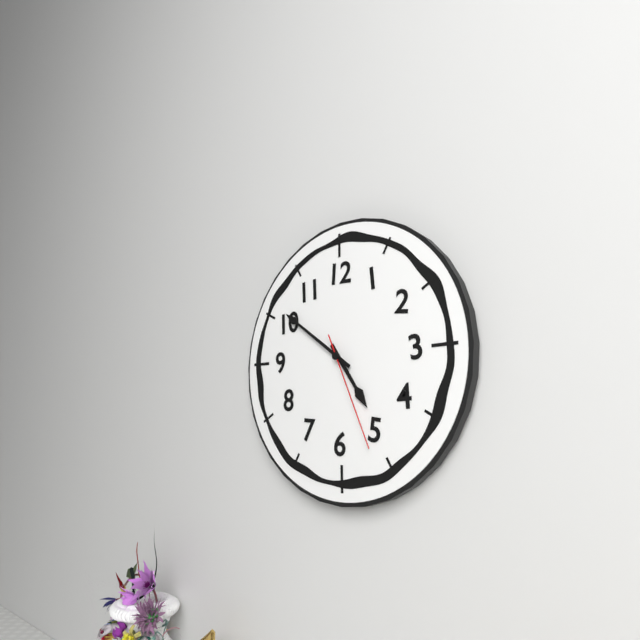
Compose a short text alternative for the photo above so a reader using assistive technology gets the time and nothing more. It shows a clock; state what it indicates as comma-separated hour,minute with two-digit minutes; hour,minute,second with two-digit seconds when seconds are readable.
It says 4,51,26
